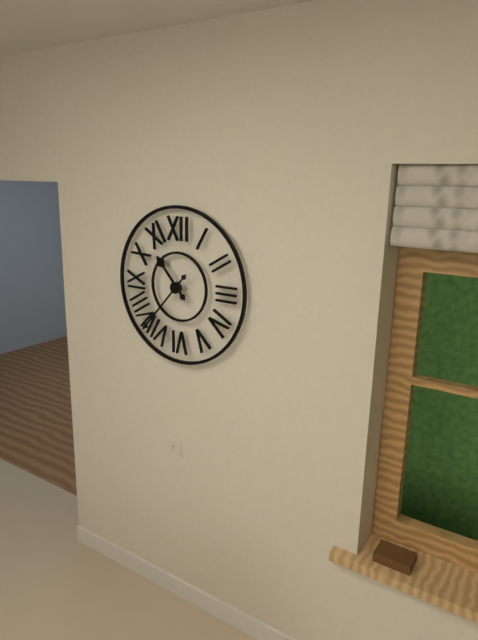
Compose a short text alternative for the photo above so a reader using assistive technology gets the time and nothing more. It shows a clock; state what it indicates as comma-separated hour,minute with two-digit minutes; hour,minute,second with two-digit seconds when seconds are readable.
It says 10,37
